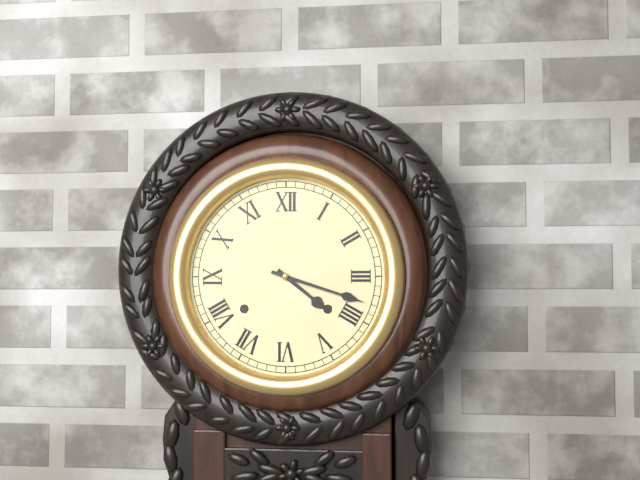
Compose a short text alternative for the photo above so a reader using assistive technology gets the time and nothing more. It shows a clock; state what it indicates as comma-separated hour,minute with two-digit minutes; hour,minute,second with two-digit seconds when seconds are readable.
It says 4,18
